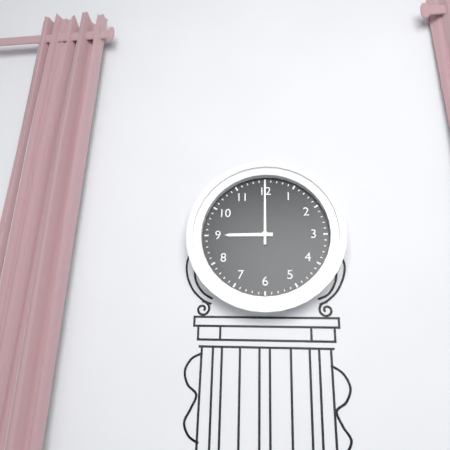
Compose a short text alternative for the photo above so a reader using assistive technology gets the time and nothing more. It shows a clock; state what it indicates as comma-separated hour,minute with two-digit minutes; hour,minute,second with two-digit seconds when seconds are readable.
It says 9,00
